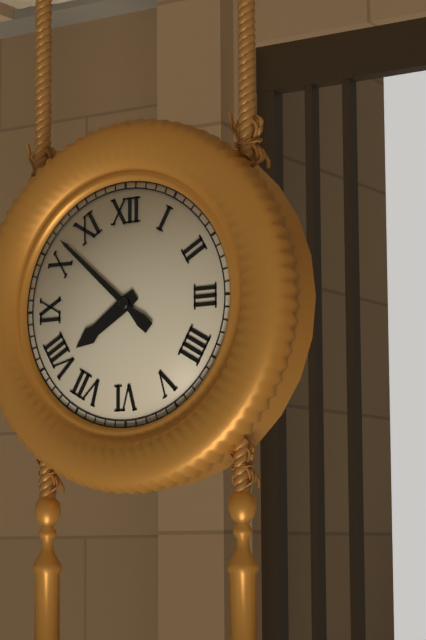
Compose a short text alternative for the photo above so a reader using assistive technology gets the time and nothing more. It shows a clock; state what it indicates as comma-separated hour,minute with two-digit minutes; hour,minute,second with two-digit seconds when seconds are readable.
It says 7,52
